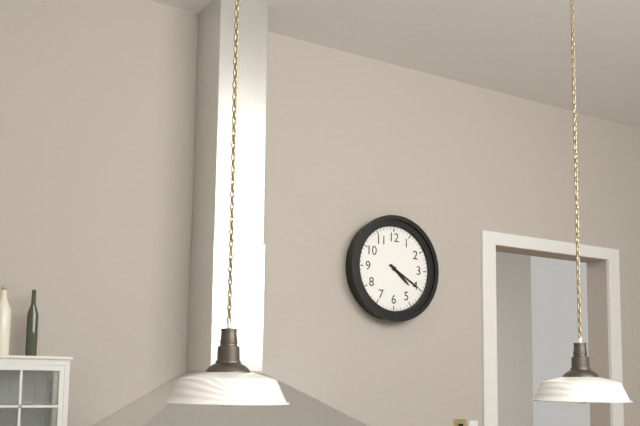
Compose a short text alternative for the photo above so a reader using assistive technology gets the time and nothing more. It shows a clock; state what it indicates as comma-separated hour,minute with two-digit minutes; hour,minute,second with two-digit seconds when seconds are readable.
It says 4,20
